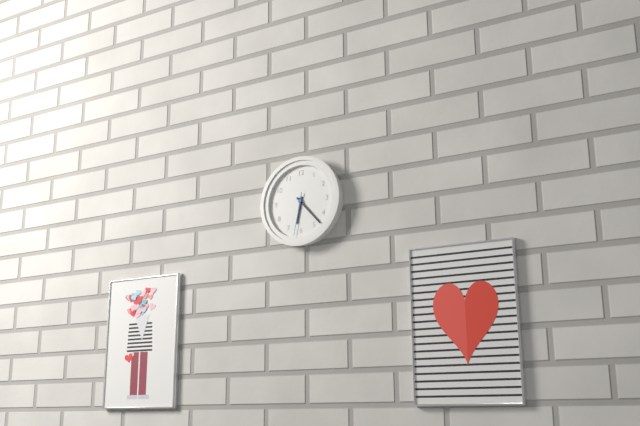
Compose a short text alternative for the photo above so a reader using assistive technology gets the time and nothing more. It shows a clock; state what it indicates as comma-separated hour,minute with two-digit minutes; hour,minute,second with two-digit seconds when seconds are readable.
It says 6,23
